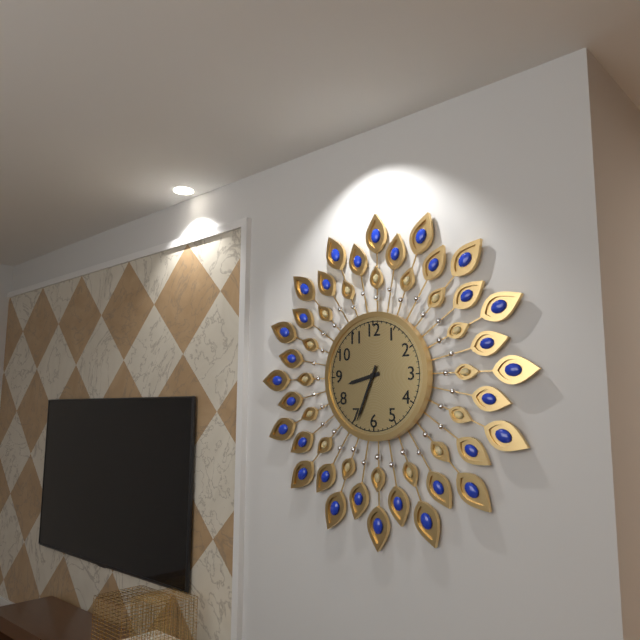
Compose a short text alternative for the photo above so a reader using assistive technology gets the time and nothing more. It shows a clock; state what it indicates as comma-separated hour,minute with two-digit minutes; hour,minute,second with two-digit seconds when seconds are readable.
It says 8,34
